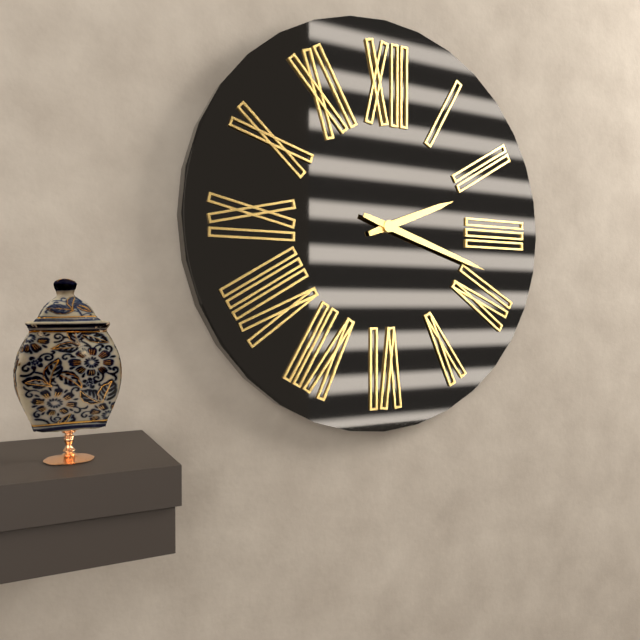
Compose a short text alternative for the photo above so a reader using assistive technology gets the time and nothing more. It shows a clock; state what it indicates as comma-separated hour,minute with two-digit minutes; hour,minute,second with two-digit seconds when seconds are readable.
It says 2,18
